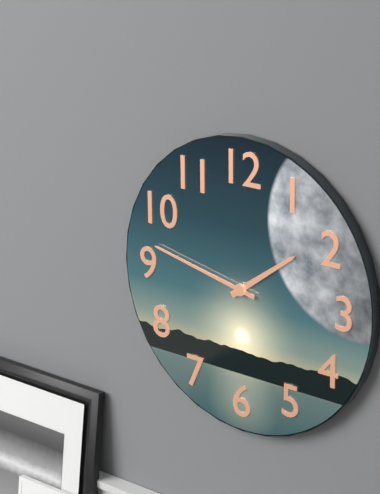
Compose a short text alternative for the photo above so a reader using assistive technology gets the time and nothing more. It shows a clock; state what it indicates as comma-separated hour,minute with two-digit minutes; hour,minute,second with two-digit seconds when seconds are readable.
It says 1,47
